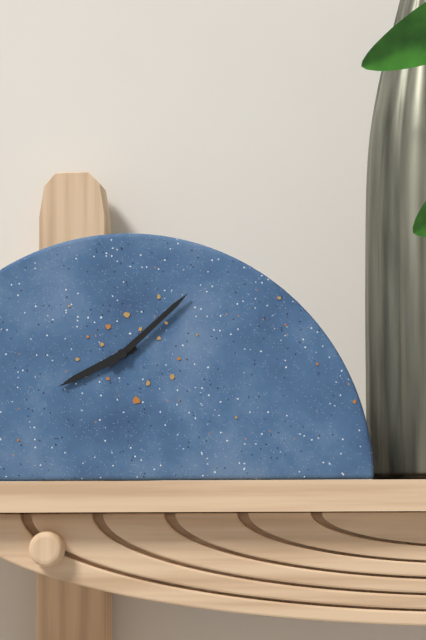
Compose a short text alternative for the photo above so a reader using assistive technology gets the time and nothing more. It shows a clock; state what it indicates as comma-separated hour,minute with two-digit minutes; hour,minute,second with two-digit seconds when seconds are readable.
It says 8,08
